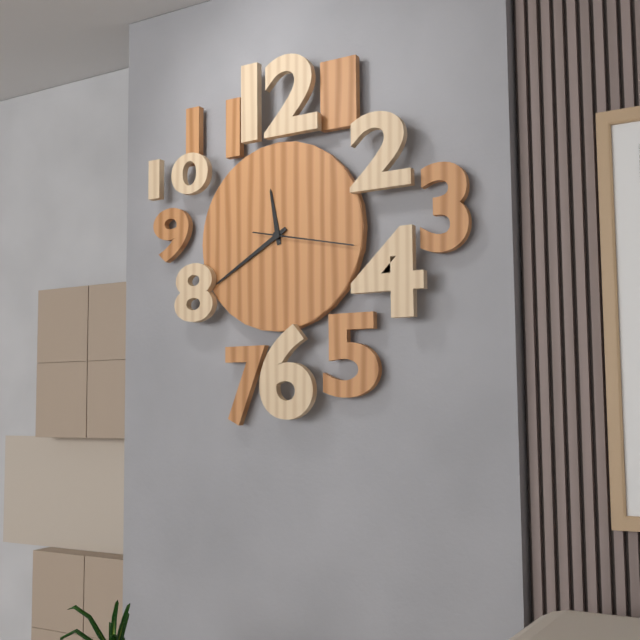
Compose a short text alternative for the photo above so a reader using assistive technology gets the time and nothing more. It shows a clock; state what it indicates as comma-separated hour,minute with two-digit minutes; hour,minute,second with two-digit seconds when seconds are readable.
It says 11,40,17
